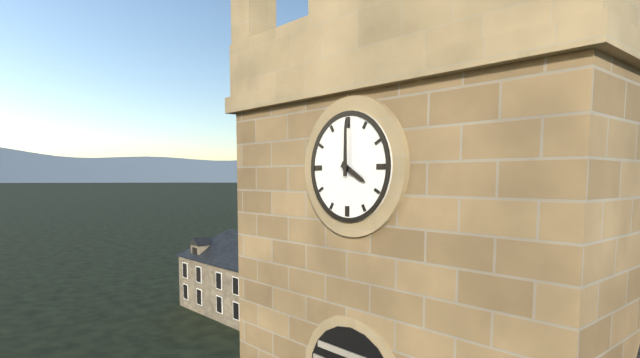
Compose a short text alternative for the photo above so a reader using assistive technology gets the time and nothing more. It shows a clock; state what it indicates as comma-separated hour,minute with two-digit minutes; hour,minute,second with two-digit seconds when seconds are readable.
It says 4,00
